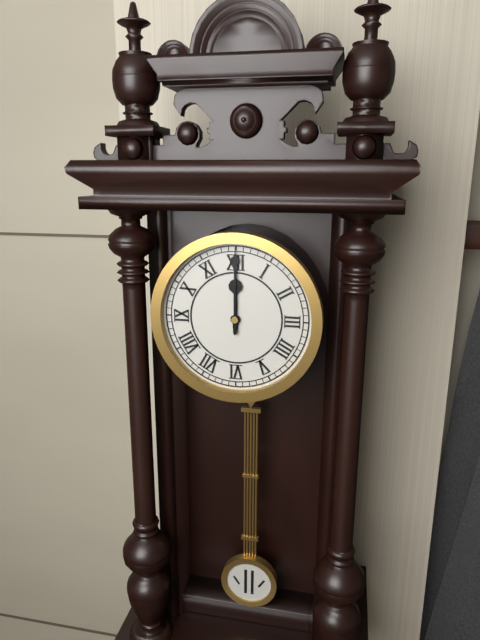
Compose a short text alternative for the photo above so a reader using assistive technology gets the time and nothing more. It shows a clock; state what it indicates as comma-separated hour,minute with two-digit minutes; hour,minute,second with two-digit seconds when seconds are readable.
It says 12,00
